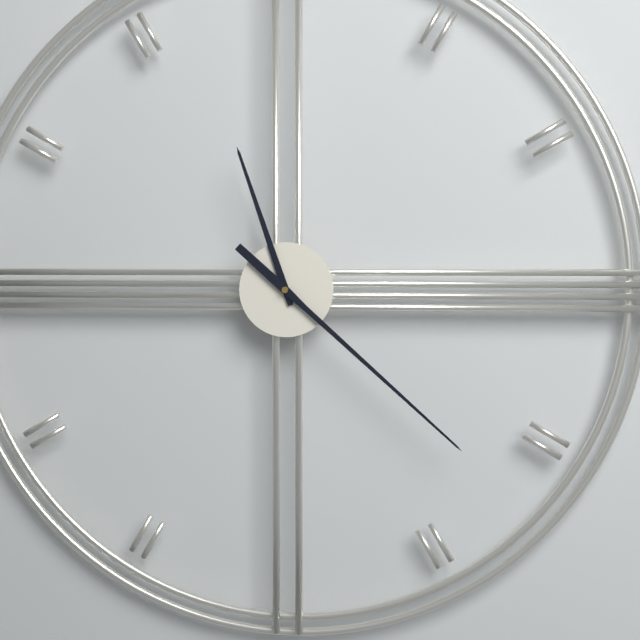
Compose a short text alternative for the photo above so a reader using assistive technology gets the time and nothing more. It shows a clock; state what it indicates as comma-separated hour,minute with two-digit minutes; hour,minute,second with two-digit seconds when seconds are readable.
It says 11,22
